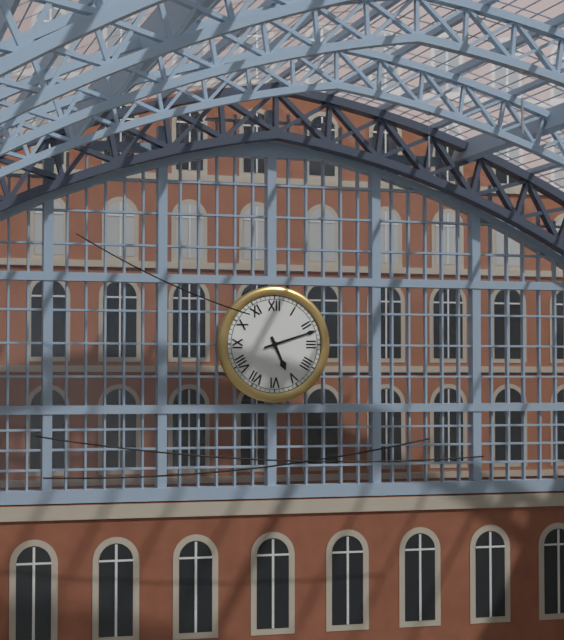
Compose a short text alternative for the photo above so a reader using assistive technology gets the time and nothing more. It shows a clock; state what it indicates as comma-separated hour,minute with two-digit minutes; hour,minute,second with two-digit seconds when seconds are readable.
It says 5,12
